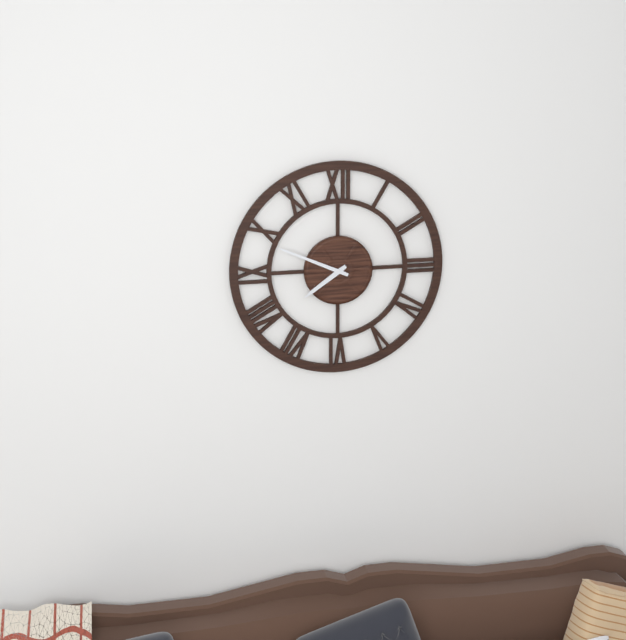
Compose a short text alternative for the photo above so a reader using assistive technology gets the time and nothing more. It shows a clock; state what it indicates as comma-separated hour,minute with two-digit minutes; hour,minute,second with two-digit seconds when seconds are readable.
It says 7,49
